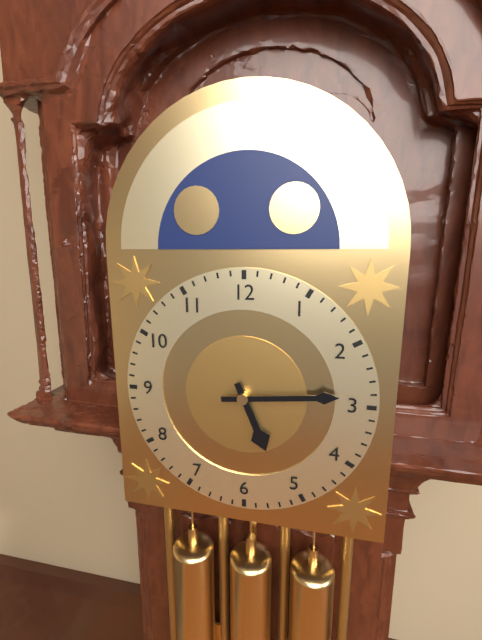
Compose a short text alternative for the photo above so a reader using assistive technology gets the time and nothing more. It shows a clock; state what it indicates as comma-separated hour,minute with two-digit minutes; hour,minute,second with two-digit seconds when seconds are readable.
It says 5,14
